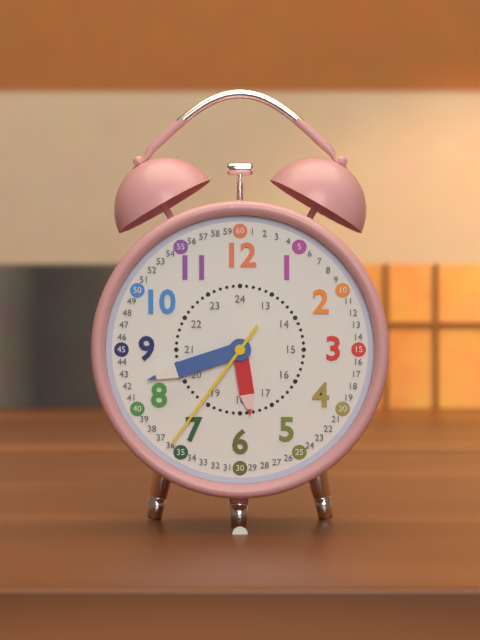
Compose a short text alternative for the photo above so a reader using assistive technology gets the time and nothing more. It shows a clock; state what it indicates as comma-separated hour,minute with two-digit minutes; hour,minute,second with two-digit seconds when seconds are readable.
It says 5,42,36
